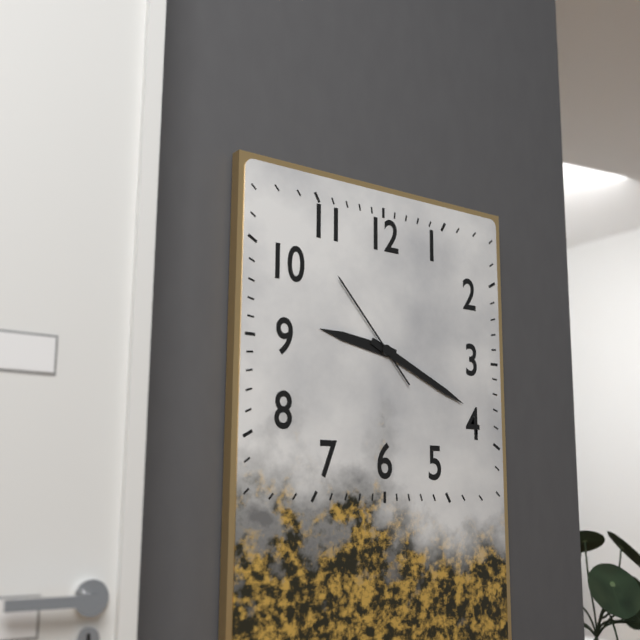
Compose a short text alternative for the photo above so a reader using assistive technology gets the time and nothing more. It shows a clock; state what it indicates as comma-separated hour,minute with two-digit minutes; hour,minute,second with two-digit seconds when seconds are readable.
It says 9,19,53
